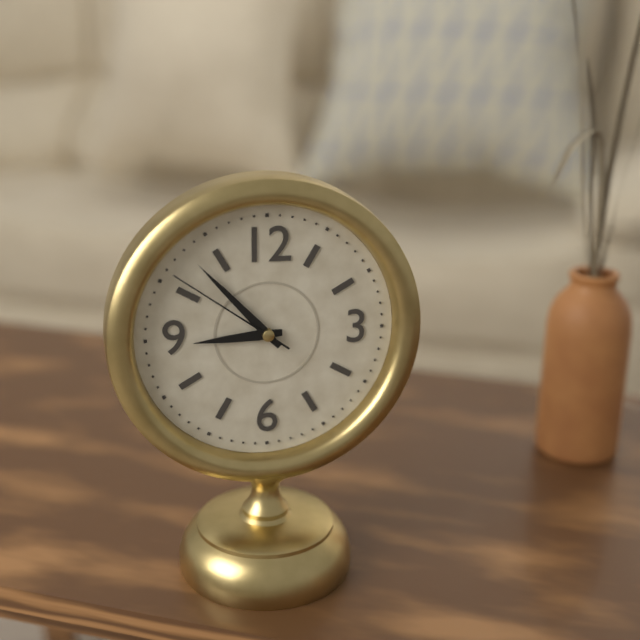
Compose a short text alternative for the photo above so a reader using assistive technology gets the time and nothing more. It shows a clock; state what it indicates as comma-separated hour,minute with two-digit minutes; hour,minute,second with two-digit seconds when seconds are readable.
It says 8,53,51
